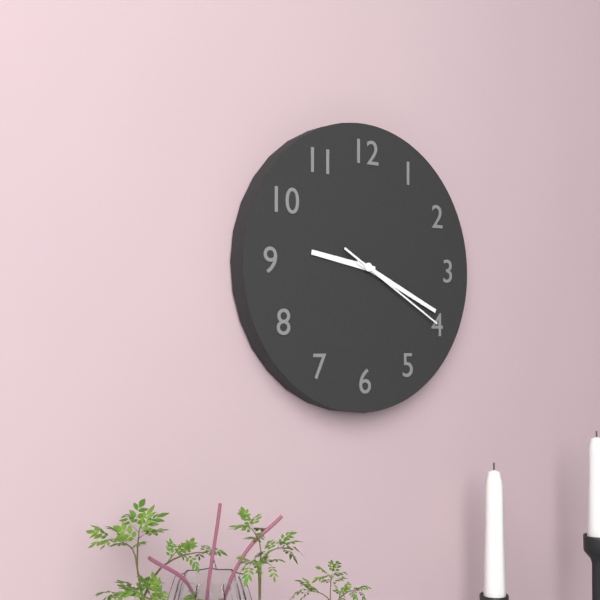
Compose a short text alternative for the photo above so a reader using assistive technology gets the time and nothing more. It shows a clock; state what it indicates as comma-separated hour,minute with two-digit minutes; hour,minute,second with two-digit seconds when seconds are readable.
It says 9,19,20
